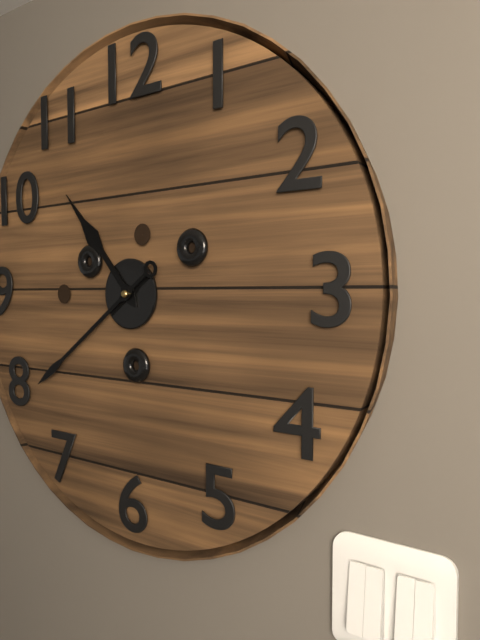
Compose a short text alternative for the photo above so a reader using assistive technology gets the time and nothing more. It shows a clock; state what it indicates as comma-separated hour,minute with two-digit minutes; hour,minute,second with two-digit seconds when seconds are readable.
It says 10,39
